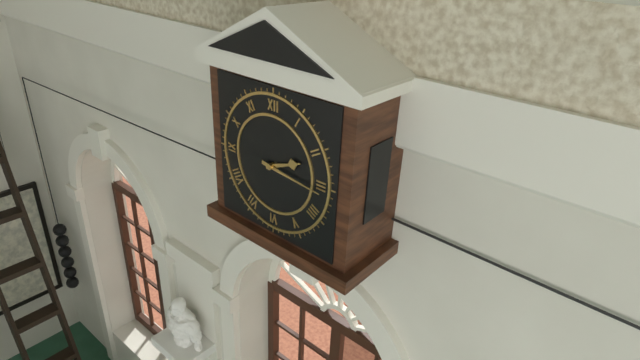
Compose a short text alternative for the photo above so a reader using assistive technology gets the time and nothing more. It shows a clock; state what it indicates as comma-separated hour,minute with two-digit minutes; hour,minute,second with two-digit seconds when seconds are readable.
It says 2,16
